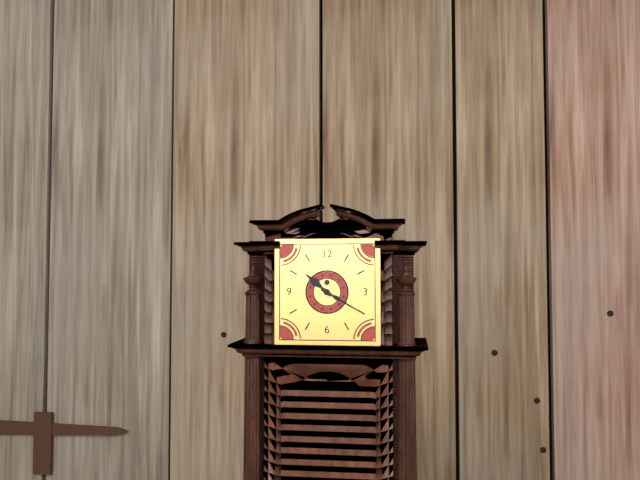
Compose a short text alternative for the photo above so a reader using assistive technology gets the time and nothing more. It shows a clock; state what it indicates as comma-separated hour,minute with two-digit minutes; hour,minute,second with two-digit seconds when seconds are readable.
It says 10,20
